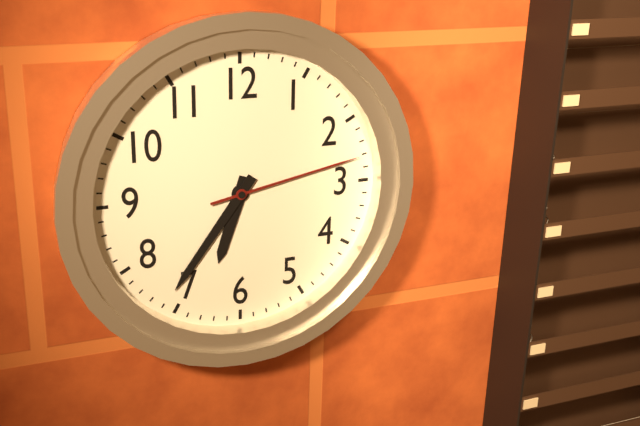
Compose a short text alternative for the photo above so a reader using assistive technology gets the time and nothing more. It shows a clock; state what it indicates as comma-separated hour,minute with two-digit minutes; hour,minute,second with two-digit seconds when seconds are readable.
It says 6,36,13
